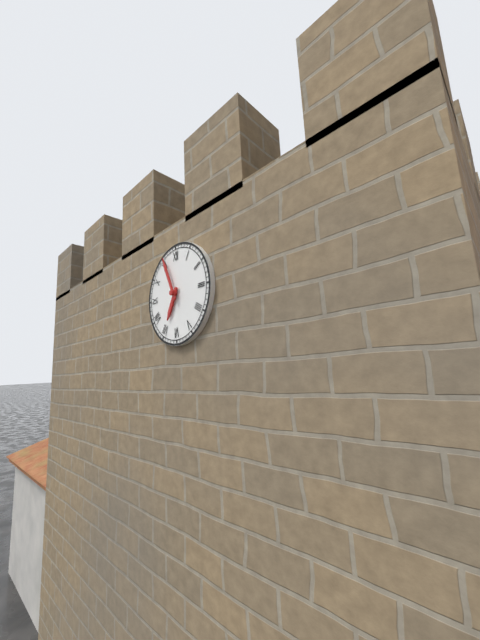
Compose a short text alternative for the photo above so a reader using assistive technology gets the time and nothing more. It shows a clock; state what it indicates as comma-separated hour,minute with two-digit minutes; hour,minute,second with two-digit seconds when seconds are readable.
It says 6,56
